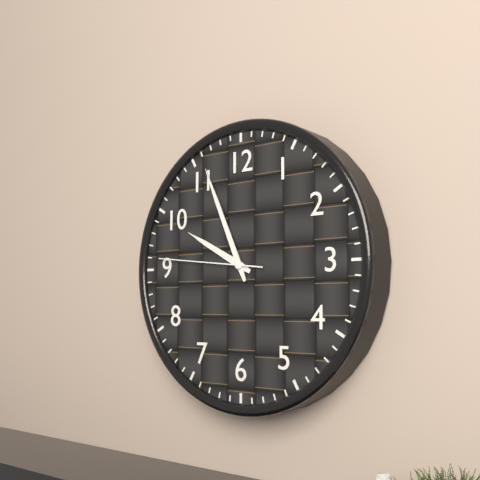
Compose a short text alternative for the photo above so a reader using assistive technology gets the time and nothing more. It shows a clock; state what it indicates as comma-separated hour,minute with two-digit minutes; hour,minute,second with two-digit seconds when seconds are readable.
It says 9,56,46
